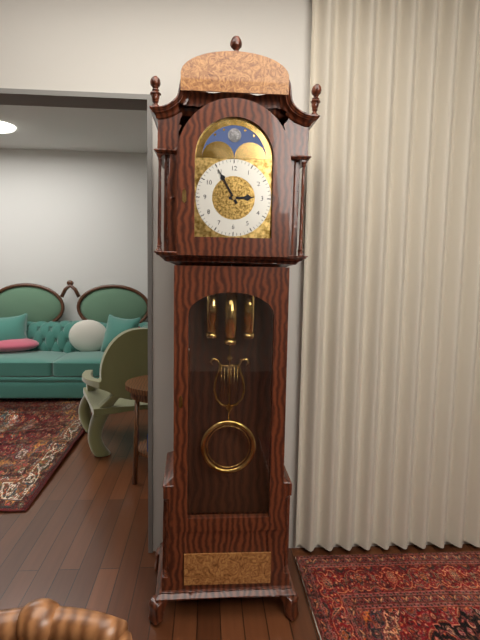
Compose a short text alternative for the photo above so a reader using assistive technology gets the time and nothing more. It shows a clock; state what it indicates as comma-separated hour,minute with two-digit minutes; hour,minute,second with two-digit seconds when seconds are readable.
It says 2,55
